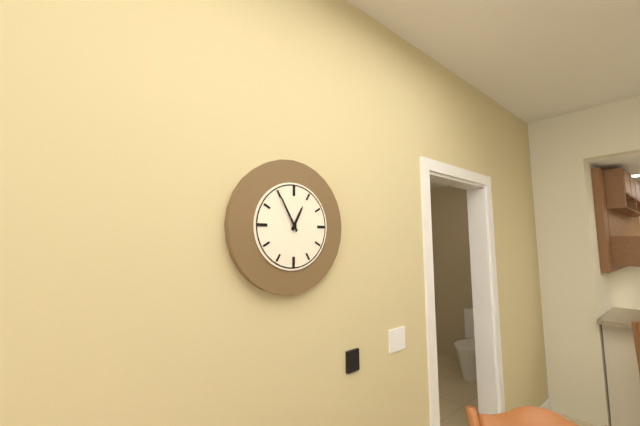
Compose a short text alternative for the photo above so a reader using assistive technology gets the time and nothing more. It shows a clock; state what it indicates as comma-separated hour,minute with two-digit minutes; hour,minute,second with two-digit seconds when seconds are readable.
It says 12,55
